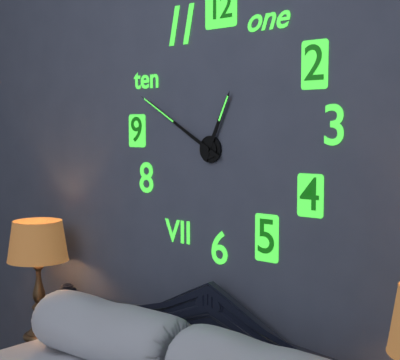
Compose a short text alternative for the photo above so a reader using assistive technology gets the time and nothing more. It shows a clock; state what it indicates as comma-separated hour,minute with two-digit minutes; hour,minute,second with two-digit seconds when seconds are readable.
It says 12,50
